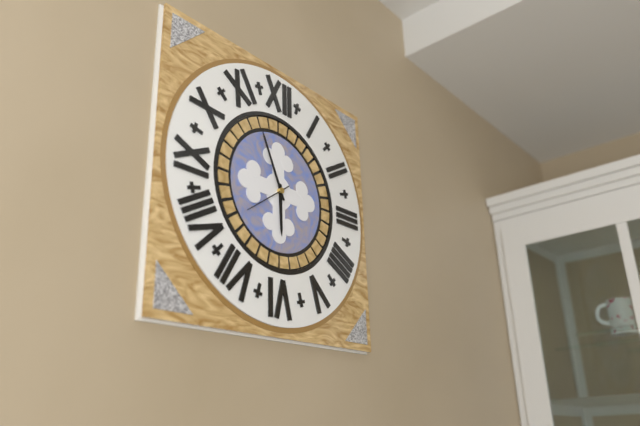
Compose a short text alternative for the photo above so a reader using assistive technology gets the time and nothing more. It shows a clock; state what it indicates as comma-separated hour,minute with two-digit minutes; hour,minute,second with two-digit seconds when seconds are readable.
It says 5,56
